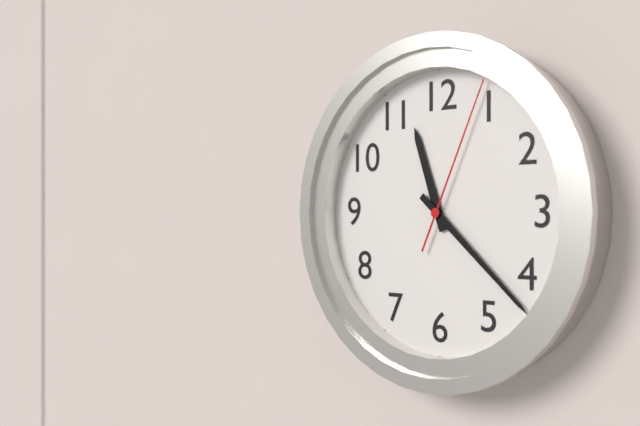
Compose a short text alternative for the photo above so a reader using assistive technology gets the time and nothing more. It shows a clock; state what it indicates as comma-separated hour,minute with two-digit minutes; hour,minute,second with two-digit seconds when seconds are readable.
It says 11,22,04
